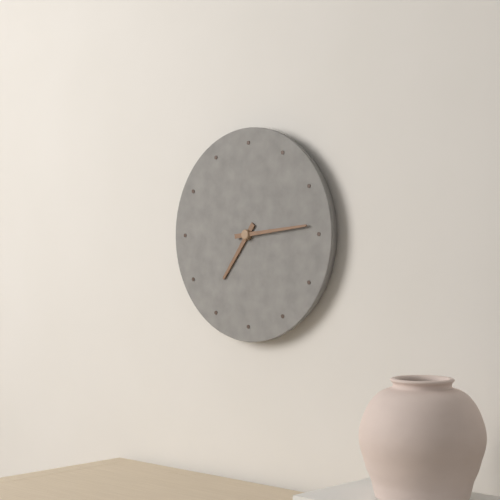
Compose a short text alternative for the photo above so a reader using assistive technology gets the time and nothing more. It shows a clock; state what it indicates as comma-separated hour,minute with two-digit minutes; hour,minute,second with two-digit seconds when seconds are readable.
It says 7,14
